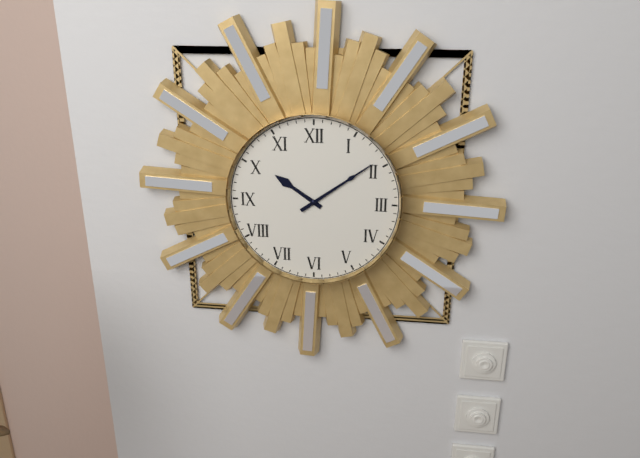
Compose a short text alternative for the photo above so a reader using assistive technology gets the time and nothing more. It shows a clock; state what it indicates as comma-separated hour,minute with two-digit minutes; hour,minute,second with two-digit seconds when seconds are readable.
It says 10,09
